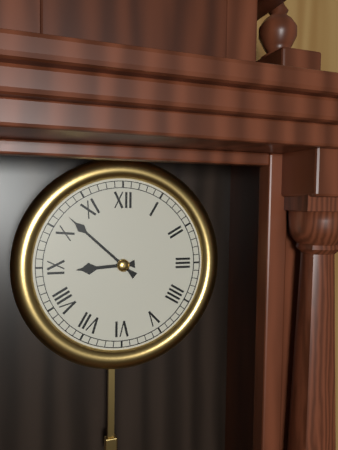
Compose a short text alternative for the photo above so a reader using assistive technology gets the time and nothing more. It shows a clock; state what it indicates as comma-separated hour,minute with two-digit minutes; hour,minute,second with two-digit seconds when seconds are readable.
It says 8,52
